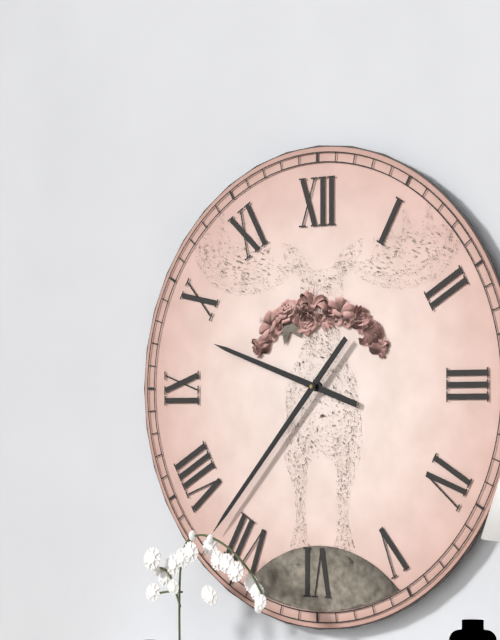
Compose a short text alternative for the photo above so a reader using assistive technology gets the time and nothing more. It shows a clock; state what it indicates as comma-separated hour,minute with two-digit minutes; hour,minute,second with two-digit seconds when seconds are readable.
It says 9,37
